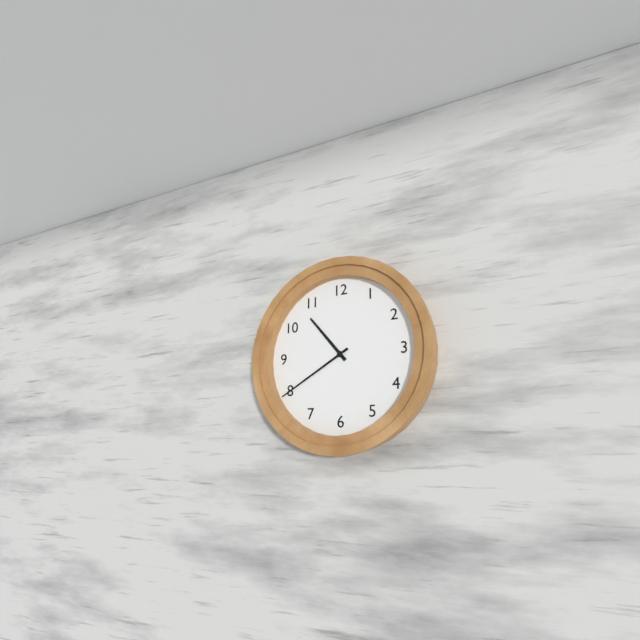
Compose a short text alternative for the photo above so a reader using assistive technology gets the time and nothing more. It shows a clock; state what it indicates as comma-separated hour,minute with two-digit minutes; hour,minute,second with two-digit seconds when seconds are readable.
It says 10,40
